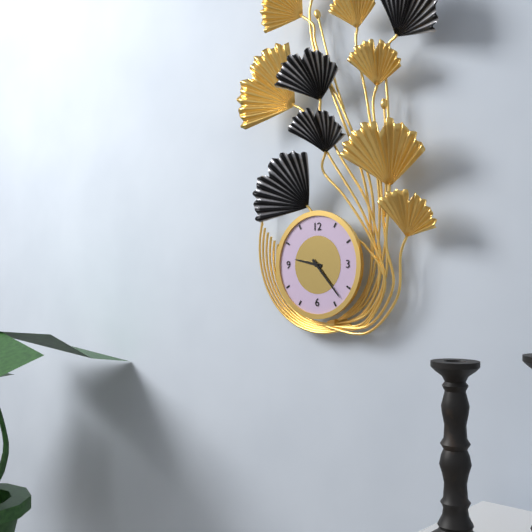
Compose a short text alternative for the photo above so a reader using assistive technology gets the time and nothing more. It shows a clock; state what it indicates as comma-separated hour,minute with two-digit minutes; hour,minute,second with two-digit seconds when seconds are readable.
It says 9,23
